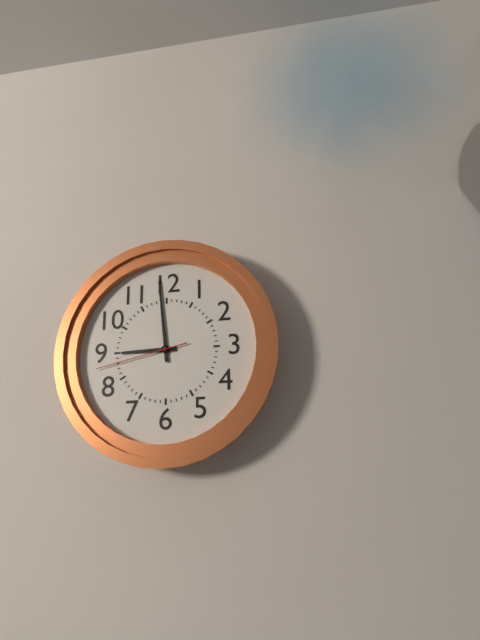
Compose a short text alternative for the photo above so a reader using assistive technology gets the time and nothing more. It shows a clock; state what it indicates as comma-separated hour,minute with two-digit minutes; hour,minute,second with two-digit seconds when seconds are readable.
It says 8,59,43
